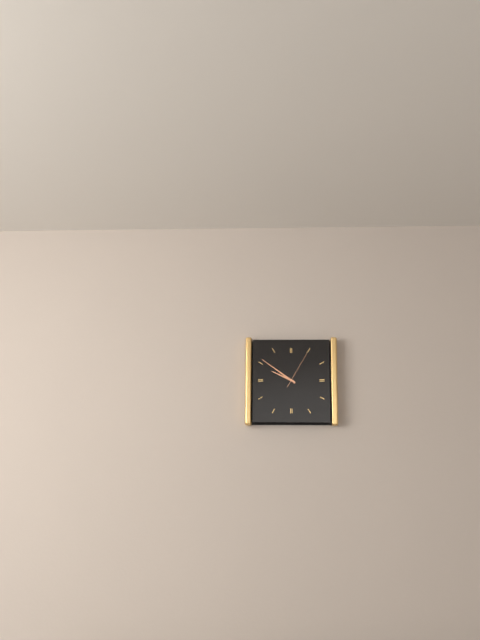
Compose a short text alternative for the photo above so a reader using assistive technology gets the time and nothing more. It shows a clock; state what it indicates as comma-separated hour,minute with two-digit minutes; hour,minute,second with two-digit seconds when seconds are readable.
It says 9,51
